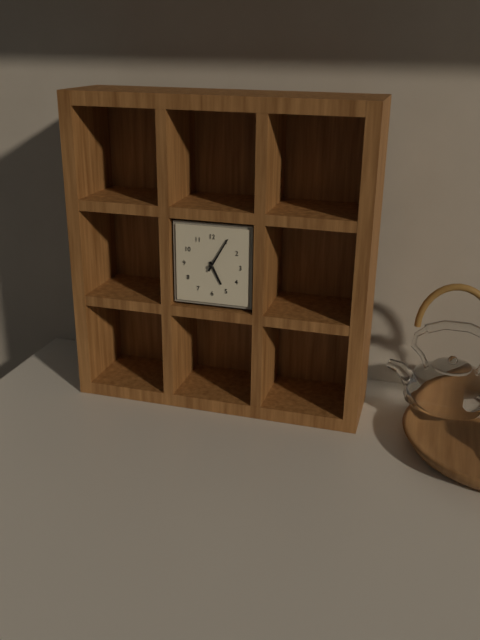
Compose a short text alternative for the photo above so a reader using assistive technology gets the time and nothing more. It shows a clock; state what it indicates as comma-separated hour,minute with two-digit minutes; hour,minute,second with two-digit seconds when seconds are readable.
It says 5,05
